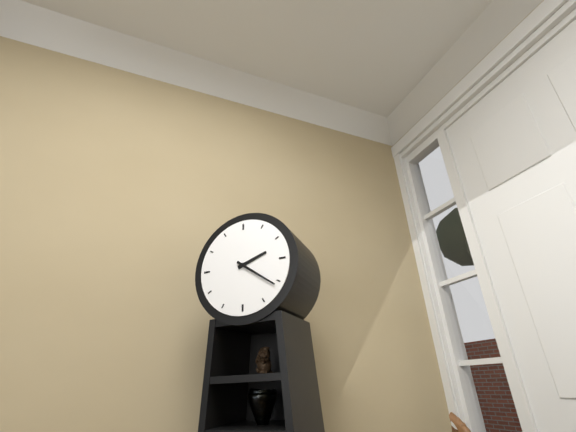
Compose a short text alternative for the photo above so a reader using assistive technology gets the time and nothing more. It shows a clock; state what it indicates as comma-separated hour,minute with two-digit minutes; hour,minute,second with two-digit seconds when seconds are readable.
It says 2,21
